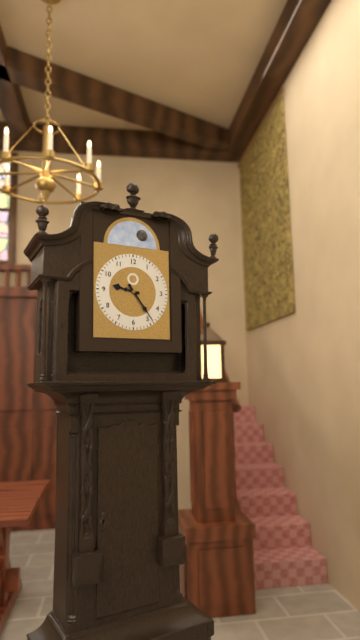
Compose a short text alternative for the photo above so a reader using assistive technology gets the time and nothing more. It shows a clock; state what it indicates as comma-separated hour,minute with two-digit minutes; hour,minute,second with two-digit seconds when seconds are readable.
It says 9,24
